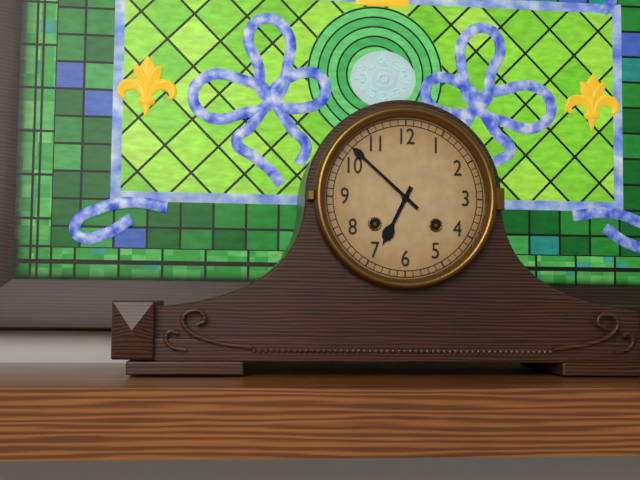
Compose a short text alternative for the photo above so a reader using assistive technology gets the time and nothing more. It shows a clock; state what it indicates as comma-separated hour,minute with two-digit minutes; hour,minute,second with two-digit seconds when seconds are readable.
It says 6,52
